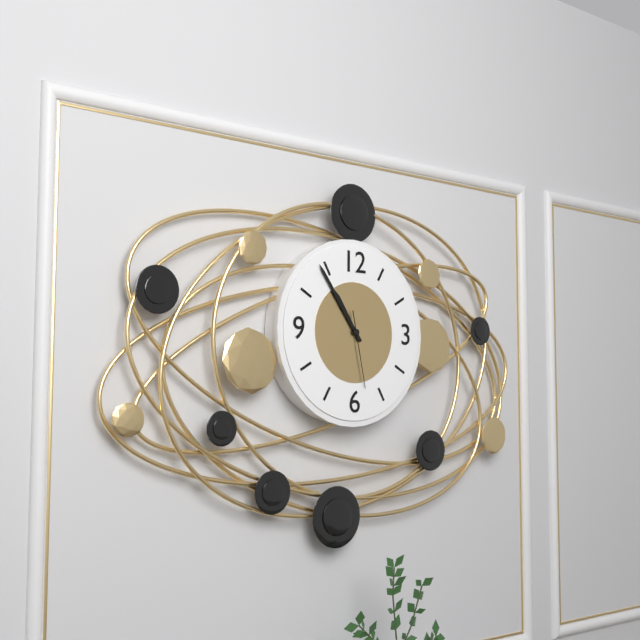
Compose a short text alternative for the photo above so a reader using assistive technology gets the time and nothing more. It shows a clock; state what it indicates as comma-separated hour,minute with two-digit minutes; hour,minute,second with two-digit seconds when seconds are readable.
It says 10,54,28
